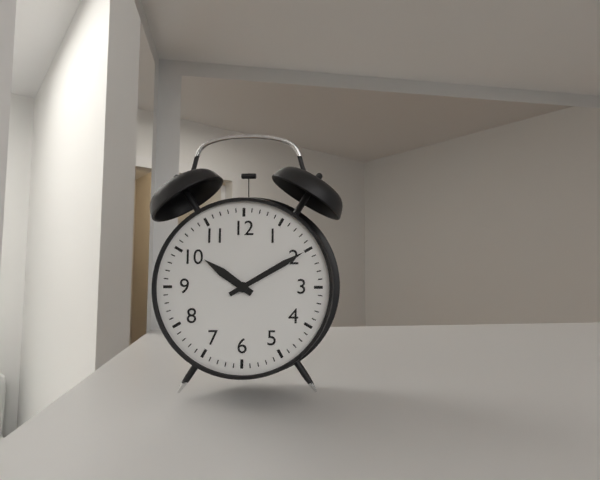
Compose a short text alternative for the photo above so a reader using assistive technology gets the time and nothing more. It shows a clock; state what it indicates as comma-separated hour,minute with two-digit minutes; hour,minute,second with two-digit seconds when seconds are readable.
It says 10,10
